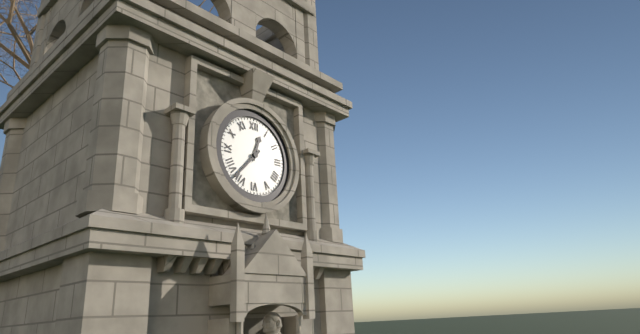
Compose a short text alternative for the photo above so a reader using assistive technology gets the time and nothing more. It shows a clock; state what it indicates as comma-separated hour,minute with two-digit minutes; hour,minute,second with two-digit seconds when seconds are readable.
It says 12,37
